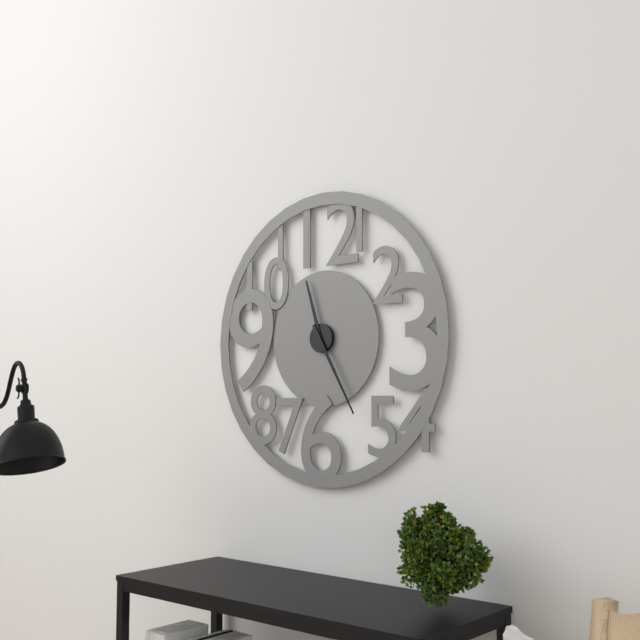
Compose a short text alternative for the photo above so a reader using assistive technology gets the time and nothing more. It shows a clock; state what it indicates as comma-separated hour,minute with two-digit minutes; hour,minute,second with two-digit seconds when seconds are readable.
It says 11,25
